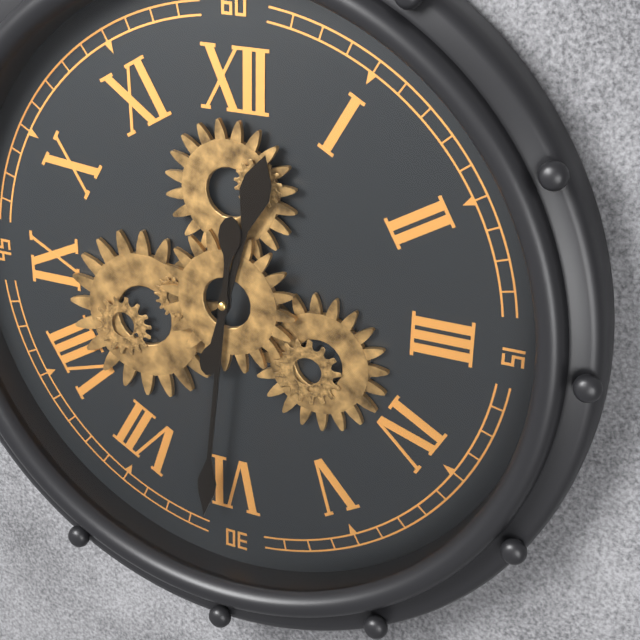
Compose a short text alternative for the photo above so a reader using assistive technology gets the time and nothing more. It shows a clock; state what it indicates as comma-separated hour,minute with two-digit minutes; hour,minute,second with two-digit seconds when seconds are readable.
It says 12,31
